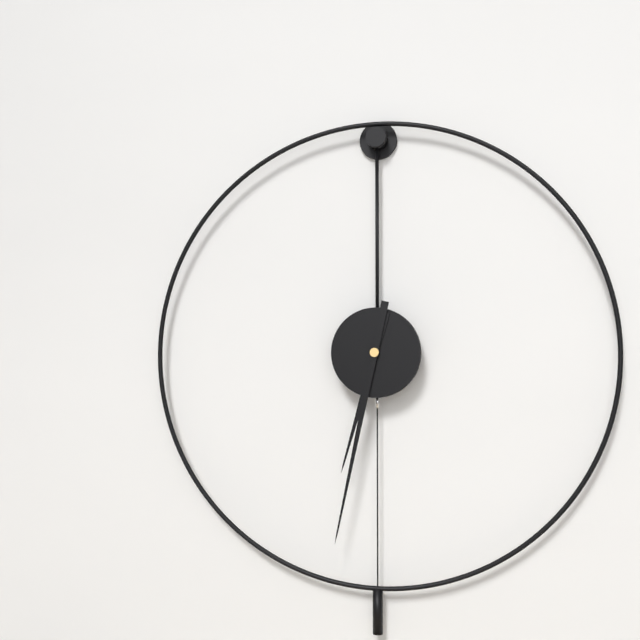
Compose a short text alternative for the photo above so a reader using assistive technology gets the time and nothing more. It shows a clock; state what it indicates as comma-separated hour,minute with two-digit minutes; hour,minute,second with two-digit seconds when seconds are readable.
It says 6,32
